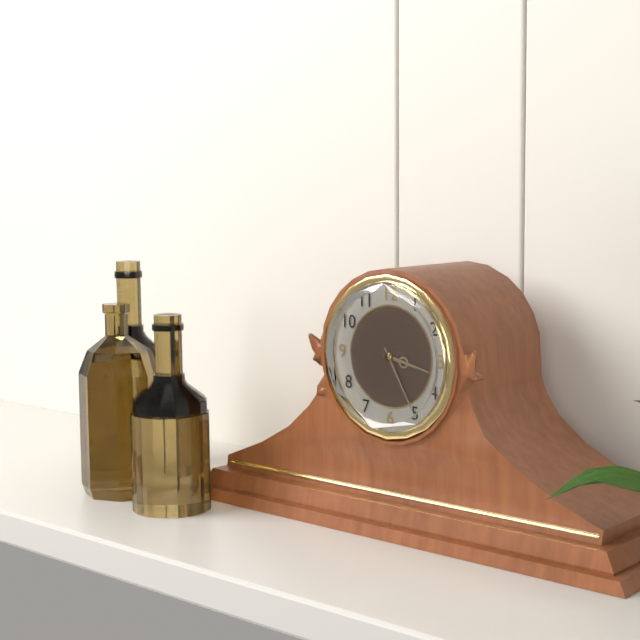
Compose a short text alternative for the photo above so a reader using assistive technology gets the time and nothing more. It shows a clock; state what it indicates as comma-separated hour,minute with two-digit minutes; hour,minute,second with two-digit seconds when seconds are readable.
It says 3,25
